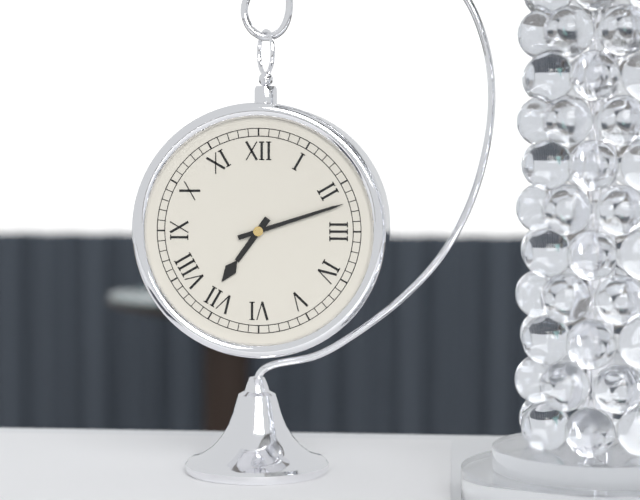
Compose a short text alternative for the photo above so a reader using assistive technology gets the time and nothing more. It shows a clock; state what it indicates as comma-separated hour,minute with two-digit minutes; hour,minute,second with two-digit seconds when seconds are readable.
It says 7,12
